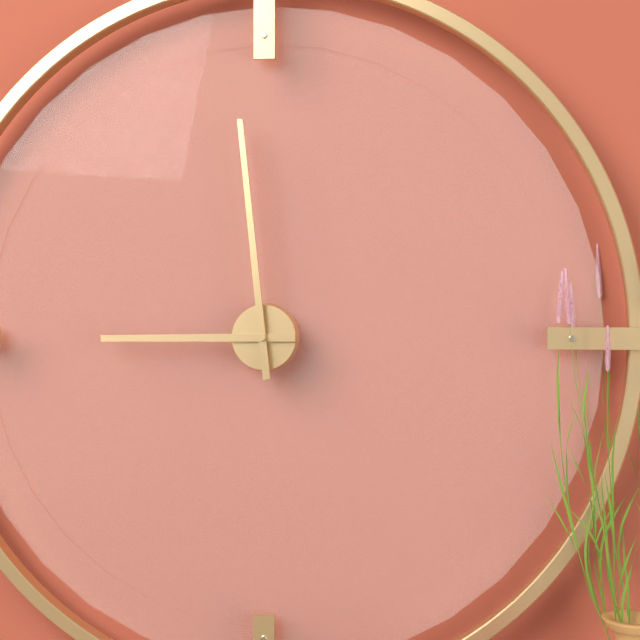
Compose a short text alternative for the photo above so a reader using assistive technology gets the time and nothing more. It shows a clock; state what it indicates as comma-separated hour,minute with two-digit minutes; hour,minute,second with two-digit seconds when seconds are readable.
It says 8,59
